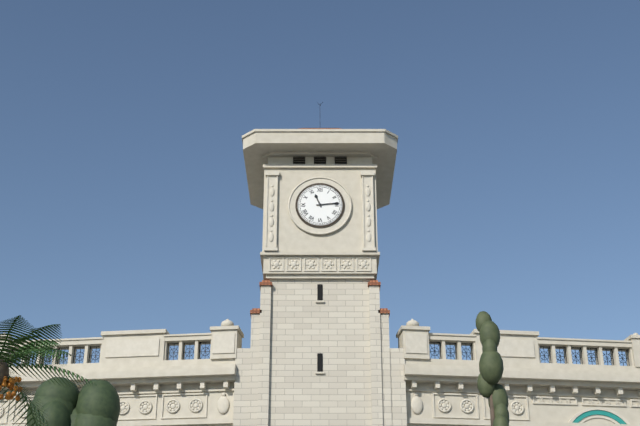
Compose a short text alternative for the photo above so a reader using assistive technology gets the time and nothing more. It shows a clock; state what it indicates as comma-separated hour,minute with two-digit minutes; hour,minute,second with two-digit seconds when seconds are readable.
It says 11,14
